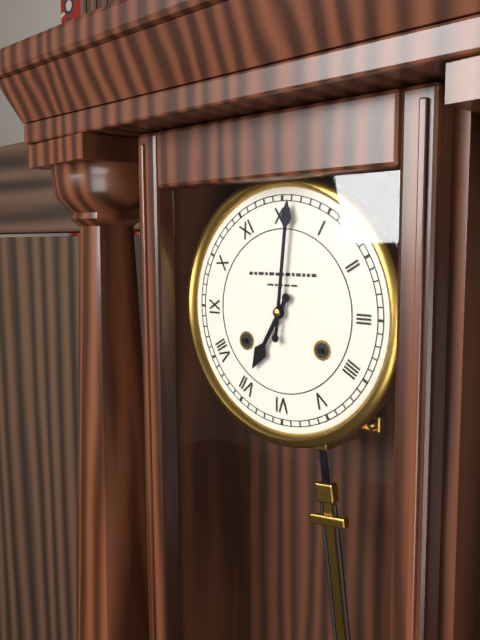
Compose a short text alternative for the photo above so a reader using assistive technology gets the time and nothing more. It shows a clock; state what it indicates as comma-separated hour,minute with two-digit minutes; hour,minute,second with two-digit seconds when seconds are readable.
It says 7,01
